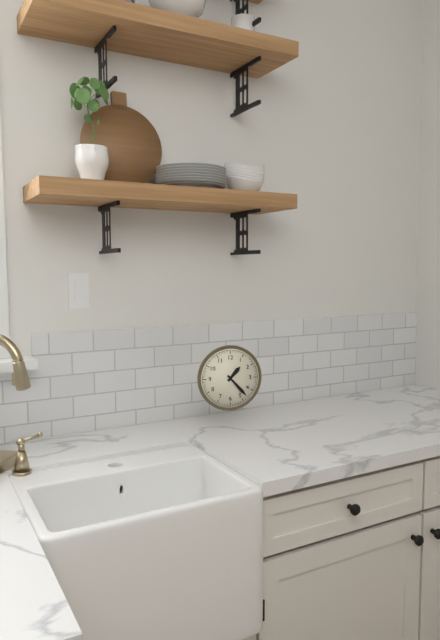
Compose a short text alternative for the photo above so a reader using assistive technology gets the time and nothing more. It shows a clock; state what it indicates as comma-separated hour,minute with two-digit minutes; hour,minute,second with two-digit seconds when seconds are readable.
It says 1,23
